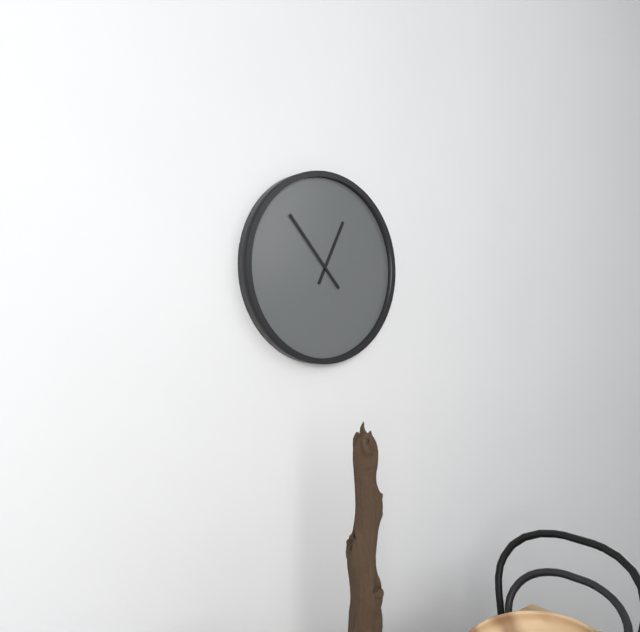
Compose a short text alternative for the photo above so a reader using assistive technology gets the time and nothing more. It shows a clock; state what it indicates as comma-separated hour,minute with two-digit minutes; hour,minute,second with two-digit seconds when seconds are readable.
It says 12,53
